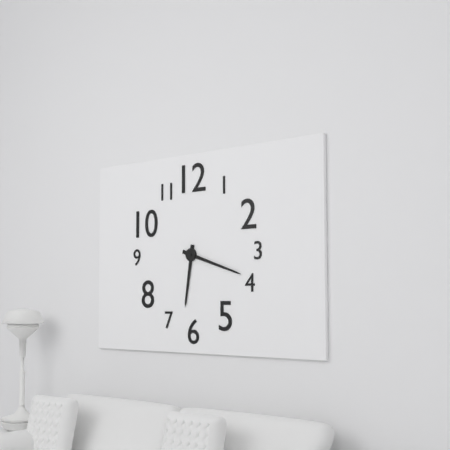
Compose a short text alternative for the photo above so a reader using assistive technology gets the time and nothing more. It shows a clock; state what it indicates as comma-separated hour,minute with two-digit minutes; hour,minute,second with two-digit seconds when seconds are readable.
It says 6,18
